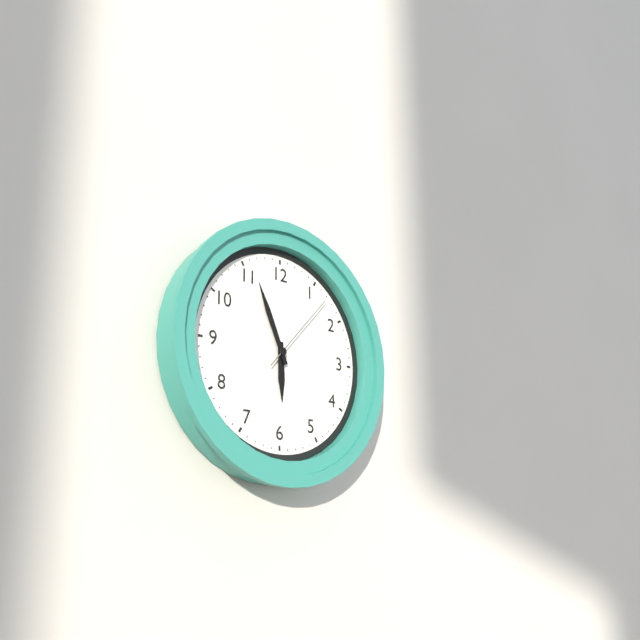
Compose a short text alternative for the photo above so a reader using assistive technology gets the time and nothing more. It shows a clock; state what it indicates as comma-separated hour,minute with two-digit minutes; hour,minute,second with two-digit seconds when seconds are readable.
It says 5,56,07
